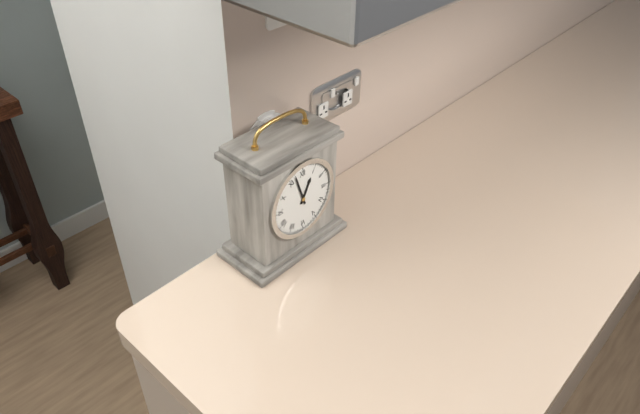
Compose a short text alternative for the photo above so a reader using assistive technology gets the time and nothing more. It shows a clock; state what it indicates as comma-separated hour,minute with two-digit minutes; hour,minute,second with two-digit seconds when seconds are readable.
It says 12,57
